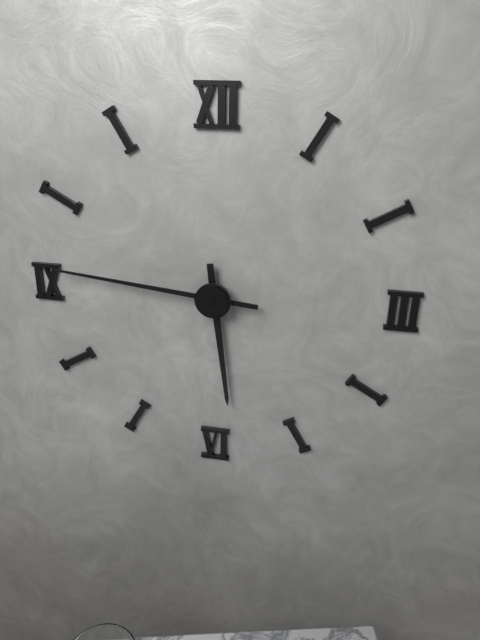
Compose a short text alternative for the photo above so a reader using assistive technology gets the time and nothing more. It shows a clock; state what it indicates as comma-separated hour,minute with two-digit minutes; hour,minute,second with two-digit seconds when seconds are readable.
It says 5,46
